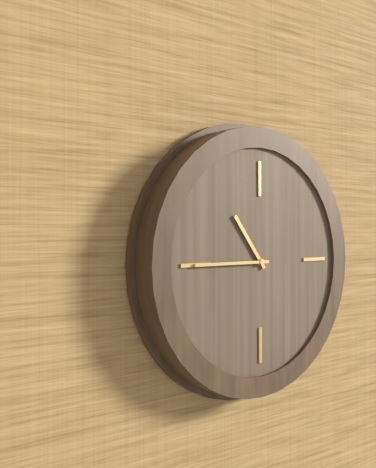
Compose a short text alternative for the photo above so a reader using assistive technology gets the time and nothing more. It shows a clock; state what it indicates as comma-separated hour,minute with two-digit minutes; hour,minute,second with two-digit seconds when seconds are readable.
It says 10,45
